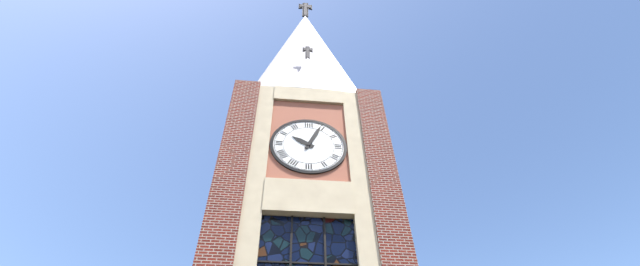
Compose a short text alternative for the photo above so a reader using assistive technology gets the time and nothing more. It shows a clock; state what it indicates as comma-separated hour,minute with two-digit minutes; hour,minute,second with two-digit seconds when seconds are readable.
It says 10,04
